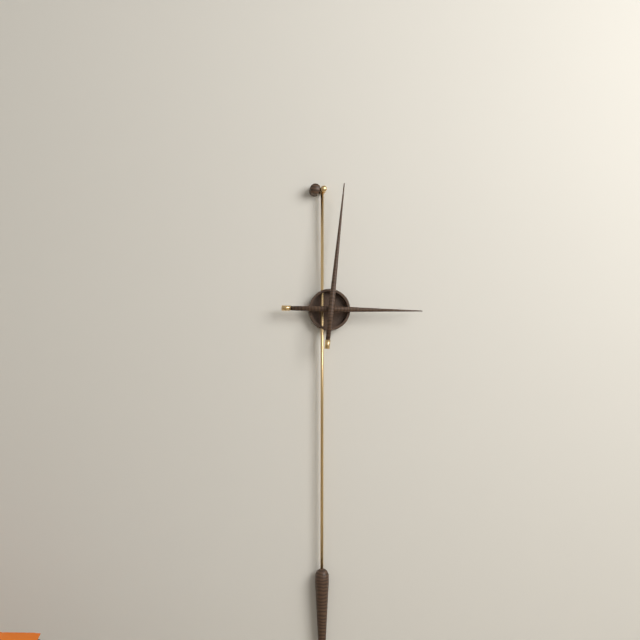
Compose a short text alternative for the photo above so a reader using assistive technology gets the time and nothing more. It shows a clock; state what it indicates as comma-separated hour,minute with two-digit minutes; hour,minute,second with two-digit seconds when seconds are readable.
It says 3,01
